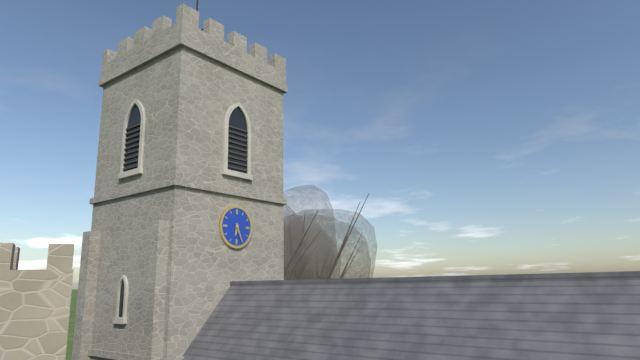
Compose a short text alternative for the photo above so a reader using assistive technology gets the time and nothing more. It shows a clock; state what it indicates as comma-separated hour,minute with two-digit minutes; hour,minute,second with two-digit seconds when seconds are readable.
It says 6,26
